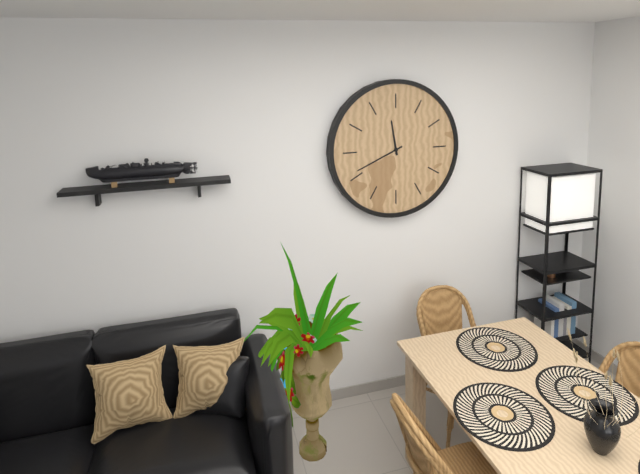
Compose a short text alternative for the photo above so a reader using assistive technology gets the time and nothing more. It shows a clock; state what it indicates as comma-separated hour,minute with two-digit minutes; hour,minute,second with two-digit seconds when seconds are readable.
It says 11,41
